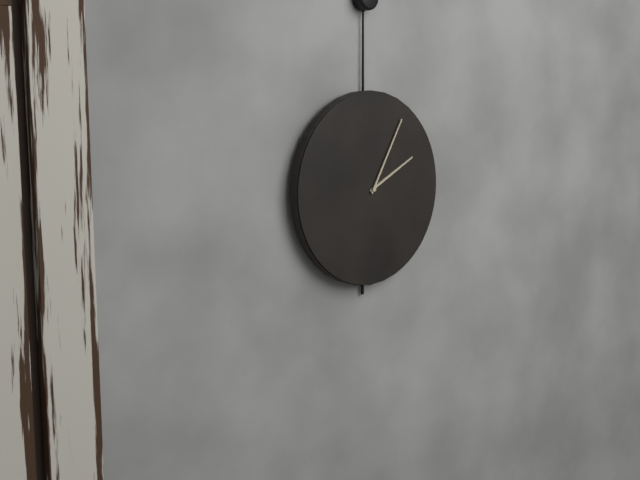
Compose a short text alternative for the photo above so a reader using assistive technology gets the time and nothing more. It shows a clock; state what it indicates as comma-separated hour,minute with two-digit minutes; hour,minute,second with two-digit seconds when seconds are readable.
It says 2,05
